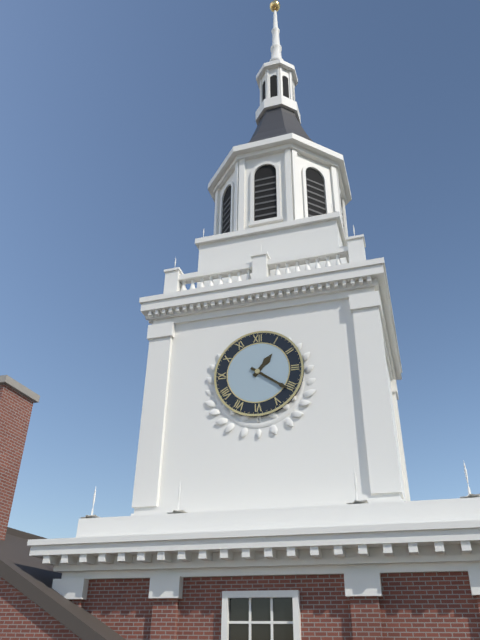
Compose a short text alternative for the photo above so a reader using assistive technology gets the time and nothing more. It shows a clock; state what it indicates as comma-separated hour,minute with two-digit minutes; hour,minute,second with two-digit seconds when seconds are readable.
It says 1,21
